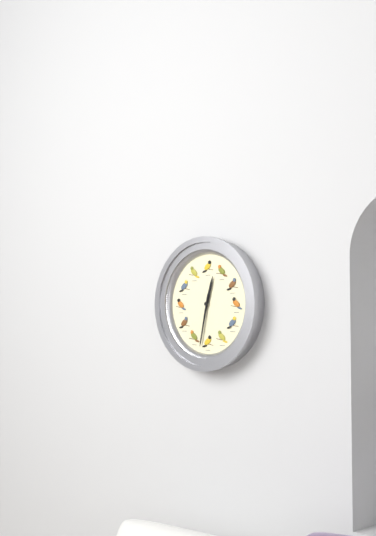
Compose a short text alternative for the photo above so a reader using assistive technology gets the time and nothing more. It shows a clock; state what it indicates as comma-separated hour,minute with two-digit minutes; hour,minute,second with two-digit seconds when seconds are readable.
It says 12,32
